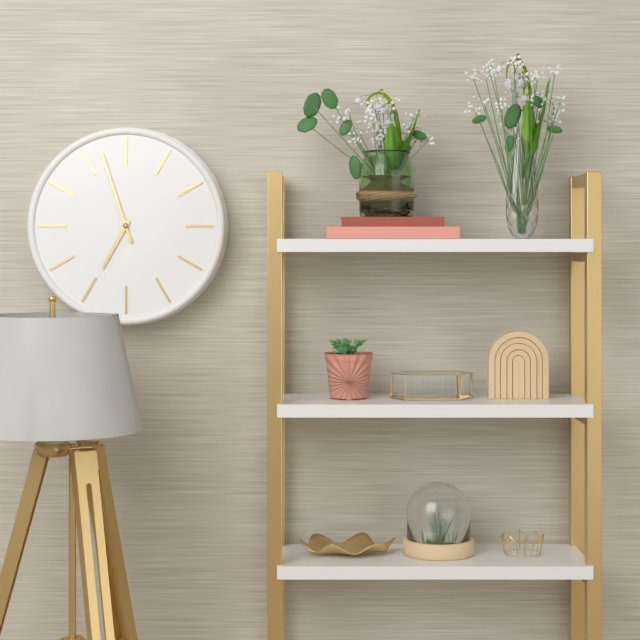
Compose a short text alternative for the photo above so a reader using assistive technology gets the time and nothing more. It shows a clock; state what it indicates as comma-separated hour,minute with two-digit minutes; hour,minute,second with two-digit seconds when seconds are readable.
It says 6,57
